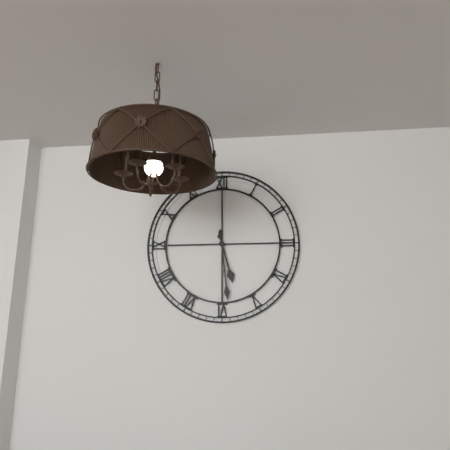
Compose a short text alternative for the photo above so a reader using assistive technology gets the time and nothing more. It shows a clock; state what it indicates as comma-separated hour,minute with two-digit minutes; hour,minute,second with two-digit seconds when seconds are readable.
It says 5,29
